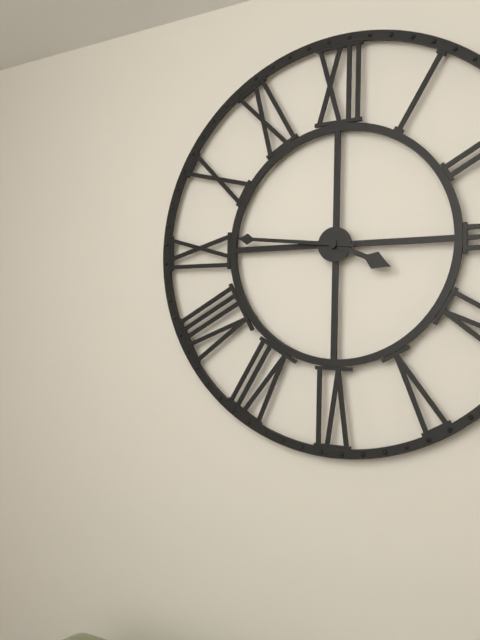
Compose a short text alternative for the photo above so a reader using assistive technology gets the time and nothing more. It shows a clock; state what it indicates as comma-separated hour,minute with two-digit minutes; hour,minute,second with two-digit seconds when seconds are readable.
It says 3,46
